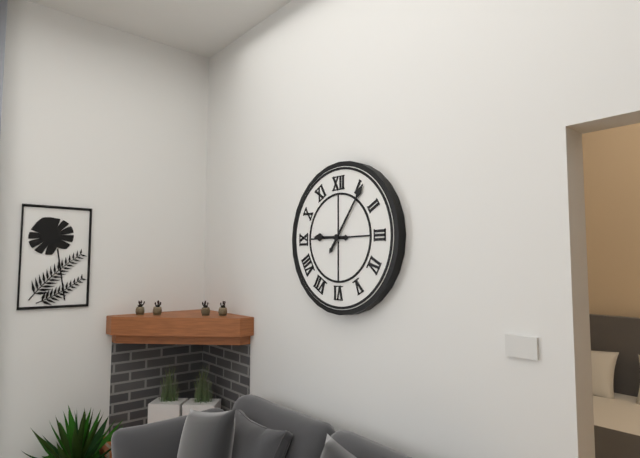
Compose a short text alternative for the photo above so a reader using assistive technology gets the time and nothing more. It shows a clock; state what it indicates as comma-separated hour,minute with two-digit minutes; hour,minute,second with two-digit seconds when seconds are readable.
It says 9,06
